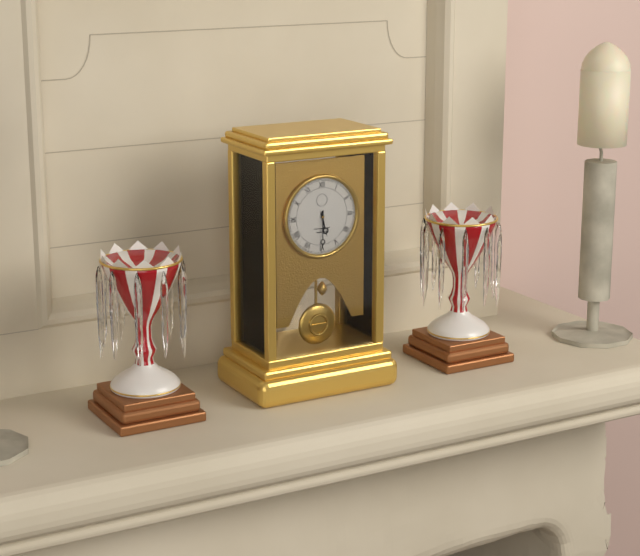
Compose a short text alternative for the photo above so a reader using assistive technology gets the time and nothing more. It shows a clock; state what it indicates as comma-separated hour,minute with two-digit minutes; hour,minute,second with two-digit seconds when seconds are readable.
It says 5,30
